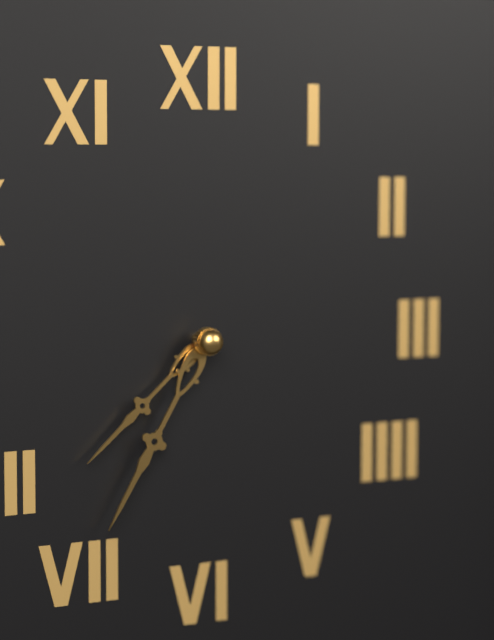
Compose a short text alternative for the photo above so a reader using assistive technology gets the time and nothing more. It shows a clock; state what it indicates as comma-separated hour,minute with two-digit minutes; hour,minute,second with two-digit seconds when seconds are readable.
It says 7,35
